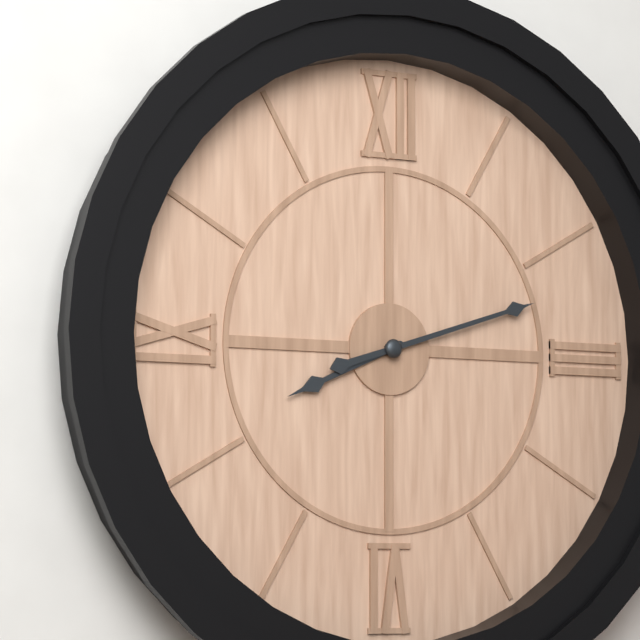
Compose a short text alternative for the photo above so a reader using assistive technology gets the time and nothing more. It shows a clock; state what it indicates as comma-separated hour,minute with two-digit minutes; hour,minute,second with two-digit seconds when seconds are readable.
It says 8,12
